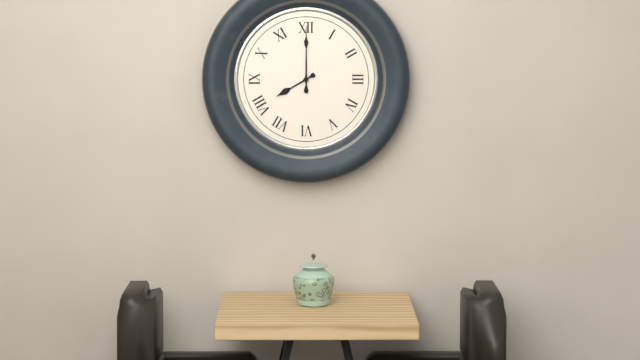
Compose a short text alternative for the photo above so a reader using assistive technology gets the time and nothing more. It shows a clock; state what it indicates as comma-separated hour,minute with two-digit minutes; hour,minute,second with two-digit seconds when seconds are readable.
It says 8,00
